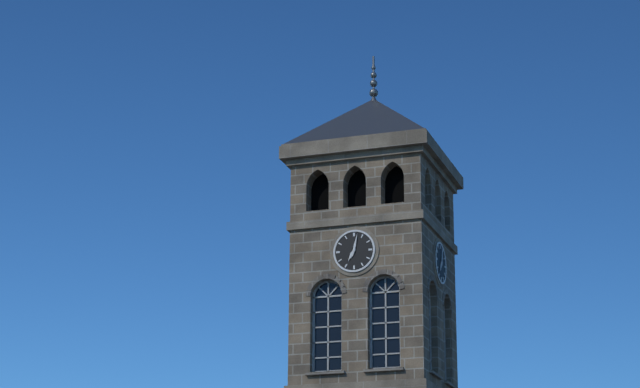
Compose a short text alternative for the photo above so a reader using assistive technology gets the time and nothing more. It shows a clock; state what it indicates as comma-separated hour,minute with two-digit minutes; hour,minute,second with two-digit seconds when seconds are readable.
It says 7,02
